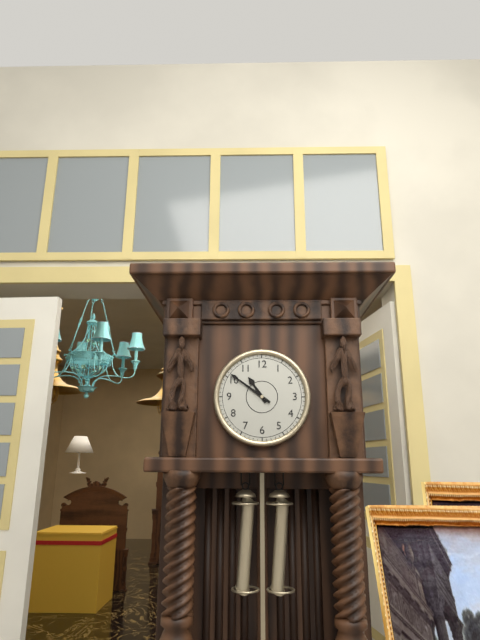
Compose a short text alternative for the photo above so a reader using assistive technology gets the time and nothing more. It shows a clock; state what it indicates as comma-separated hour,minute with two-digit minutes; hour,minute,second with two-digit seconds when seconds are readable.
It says 10,51
